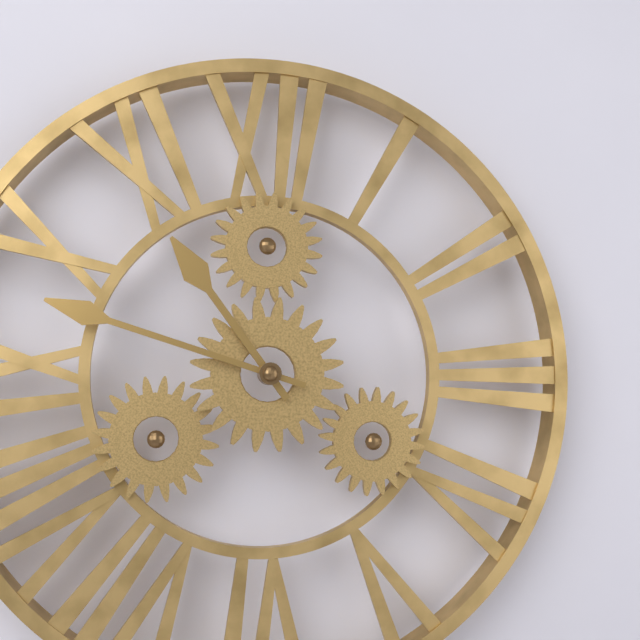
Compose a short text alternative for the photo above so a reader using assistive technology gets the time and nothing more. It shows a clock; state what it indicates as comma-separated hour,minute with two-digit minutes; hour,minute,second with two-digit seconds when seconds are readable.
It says 10,48
